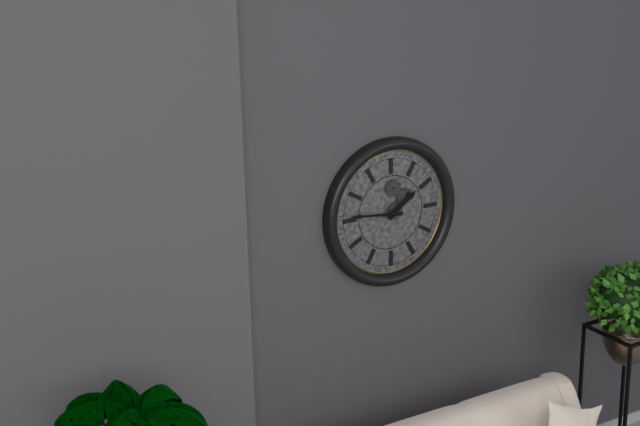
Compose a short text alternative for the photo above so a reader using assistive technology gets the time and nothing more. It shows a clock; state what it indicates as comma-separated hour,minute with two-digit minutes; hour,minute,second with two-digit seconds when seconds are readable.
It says 1,46
